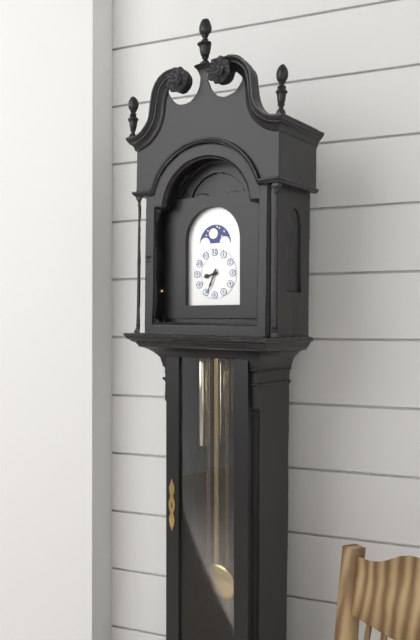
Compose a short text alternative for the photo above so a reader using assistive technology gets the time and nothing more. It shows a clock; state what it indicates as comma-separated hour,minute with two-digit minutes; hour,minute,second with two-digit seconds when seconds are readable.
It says 8,34
